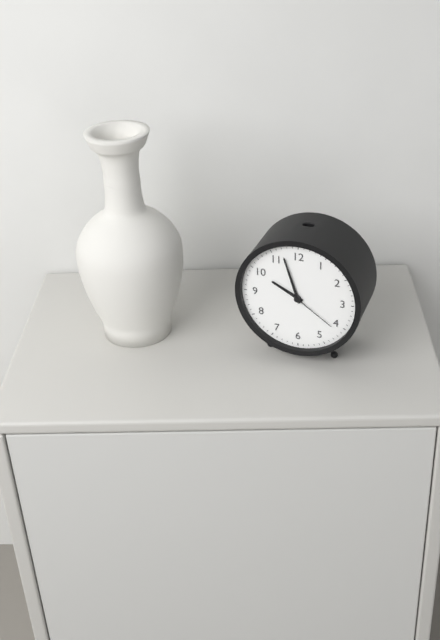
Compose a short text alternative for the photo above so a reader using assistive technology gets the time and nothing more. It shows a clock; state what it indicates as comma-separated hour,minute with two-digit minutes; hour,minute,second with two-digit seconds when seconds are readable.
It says 9,57,21
